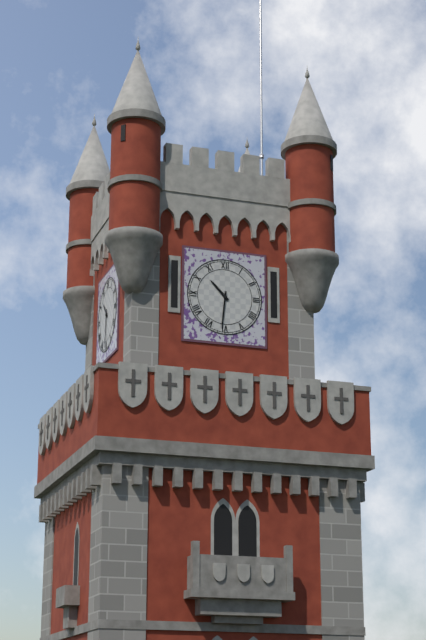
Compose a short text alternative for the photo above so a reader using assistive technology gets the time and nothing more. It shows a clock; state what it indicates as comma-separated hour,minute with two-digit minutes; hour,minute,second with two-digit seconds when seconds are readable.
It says 10,31
